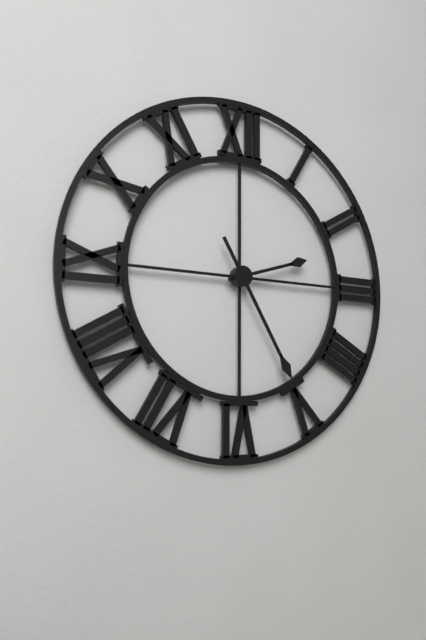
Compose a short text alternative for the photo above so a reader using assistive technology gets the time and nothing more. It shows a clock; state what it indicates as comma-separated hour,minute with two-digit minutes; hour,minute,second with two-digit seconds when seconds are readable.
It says 2,25
